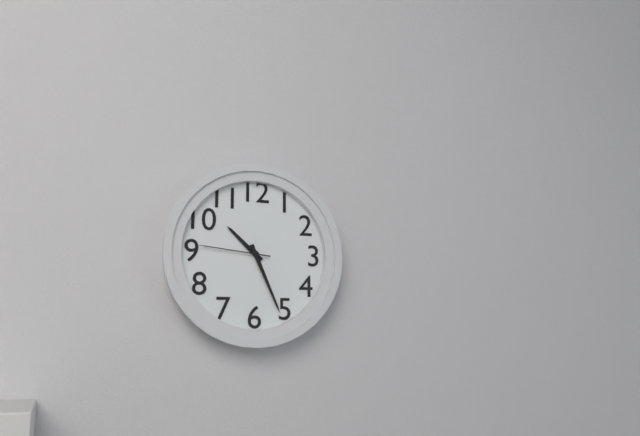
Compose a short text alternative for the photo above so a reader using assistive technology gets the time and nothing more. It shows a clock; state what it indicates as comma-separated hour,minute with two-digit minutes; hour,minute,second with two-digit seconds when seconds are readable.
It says 10,26,46
